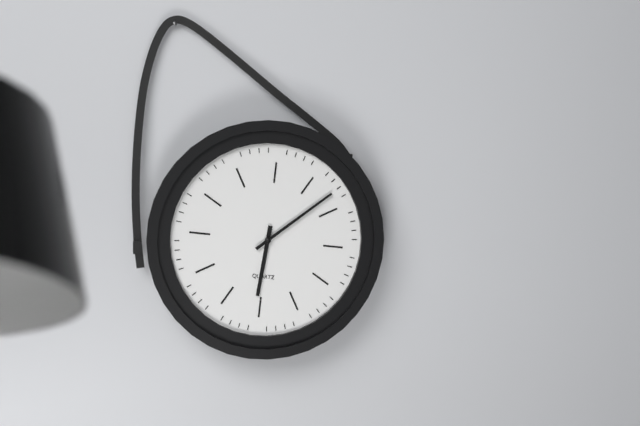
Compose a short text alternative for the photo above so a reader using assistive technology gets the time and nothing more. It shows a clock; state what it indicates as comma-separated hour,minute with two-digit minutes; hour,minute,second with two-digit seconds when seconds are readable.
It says 6,08
